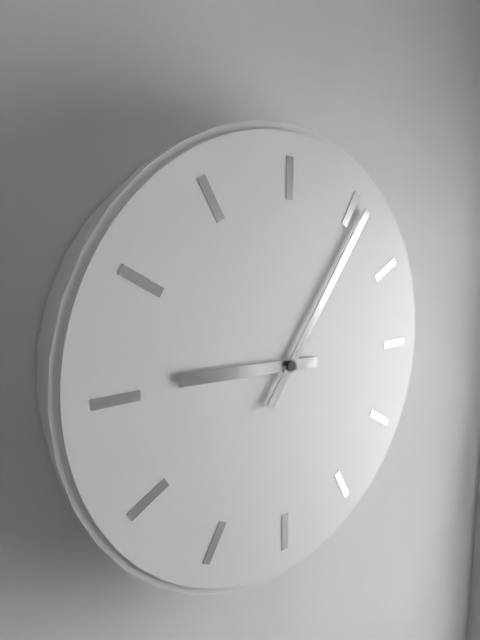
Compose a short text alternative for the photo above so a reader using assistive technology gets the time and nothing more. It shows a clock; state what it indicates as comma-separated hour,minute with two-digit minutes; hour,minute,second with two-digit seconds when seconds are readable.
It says 9,06
